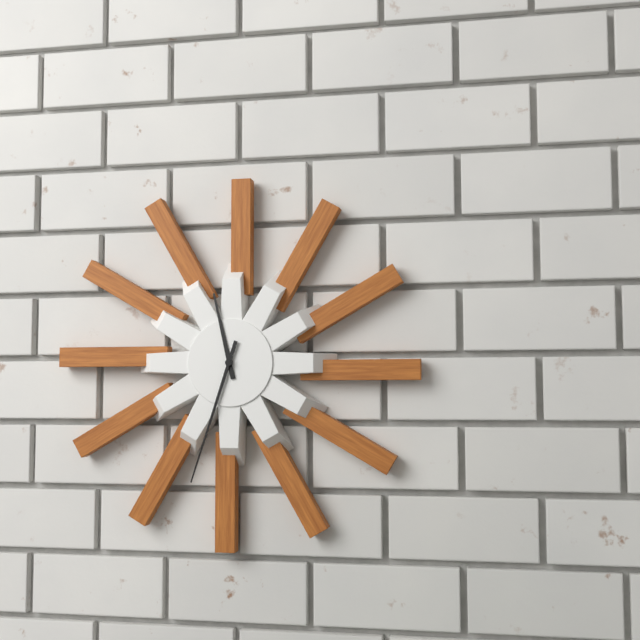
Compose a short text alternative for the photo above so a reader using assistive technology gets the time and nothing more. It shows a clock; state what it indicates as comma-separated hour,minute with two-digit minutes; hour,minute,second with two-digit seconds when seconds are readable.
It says 11,33
